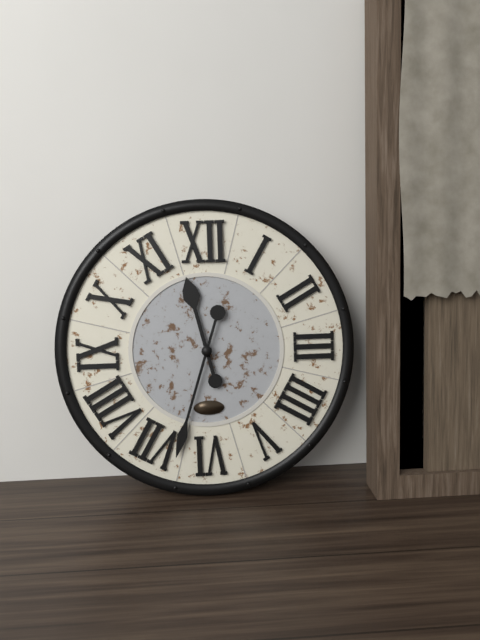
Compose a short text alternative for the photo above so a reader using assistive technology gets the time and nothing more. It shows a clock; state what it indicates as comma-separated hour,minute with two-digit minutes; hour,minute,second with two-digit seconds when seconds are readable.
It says 11,33
